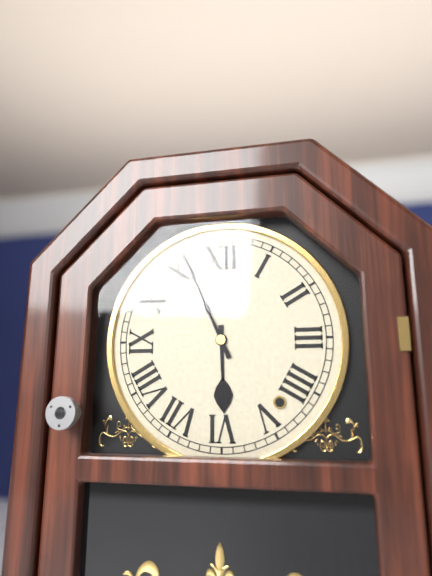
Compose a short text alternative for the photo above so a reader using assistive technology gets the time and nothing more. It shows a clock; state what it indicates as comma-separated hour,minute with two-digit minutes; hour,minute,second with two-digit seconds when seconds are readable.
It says 5,56
